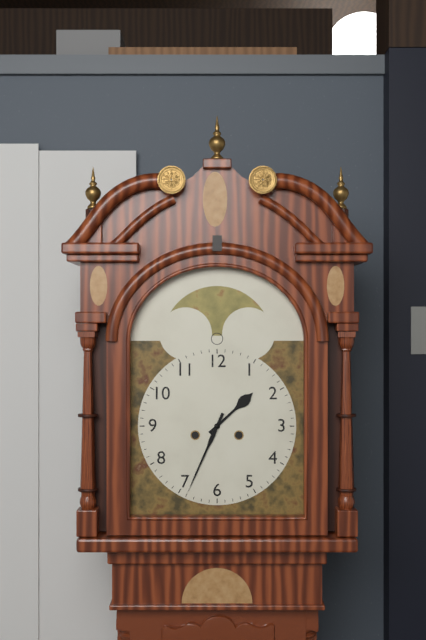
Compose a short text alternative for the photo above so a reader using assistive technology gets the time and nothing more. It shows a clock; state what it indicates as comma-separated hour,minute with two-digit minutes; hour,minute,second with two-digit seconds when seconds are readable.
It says 1,34
